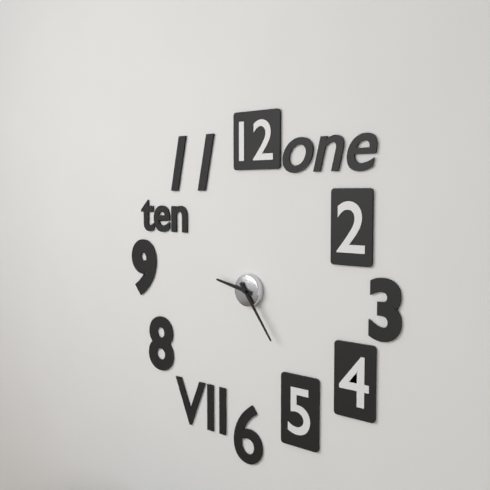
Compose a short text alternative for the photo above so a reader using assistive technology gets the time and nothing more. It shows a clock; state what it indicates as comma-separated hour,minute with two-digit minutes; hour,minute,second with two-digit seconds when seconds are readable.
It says 9,24
